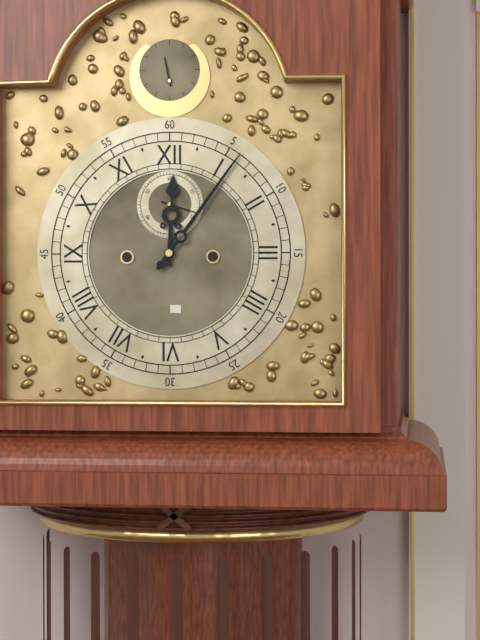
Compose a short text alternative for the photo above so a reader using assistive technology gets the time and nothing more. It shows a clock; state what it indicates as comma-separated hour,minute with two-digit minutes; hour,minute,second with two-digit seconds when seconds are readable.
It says 12,06
